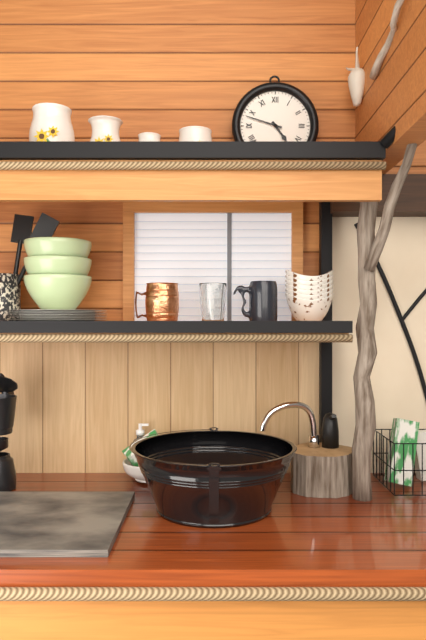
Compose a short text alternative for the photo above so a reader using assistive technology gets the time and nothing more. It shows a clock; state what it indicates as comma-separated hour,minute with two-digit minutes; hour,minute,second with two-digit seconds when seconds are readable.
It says 4,48
